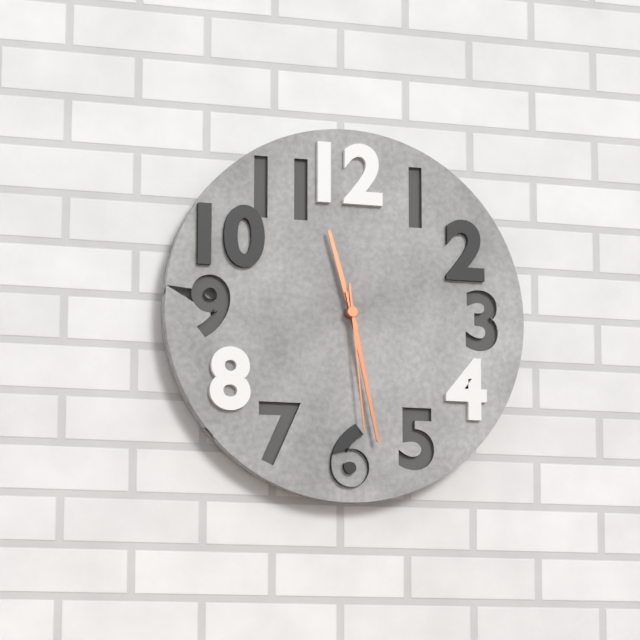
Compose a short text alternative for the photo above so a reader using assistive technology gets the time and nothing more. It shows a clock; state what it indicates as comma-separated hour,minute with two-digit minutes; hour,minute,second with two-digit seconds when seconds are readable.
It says 11,28,29
